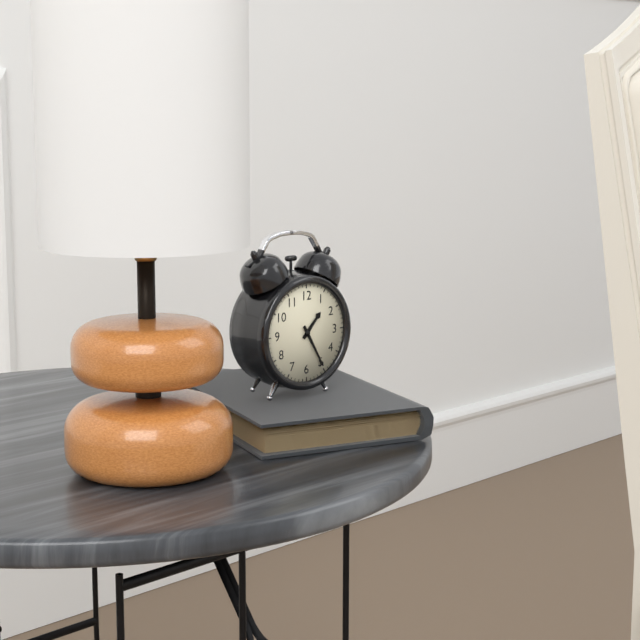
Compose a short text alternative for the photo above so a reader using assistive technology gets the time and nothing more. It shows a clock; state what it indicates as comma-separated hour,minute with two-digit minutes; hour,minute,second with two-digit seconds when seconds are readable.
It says 1,25
